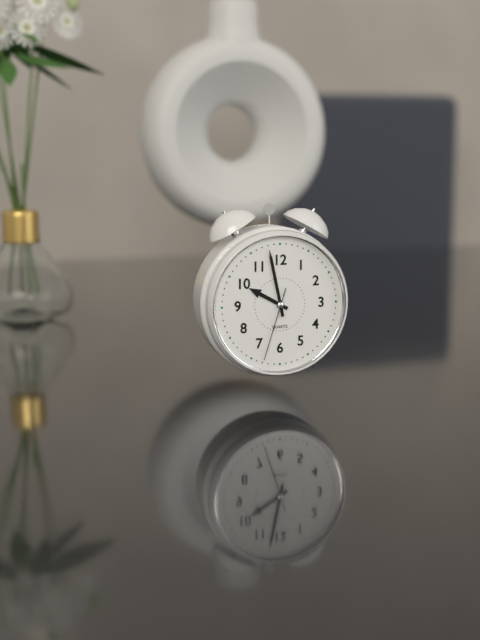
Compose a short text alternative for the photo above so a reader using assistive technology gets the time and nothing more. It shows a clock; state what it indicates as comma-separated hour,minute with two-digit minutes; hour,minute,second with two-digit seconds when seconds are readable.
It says 9,58,33
